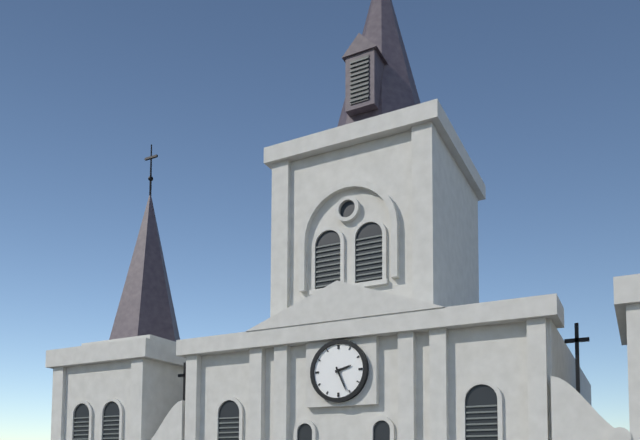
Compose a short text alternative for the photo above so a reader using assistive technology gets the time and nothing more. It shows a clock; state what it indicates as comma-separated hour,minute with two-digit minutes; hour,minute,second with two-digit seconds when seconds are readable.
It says 2,26
